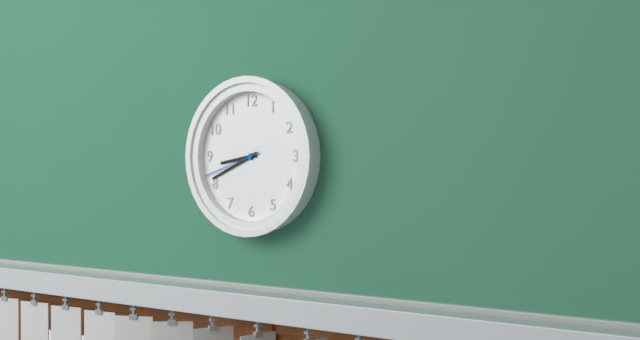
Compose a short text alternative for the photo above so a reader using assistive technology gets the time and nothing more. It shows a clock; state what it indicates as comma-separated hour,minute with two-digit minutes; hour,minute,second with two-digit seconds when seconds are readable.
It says 8,41,42
